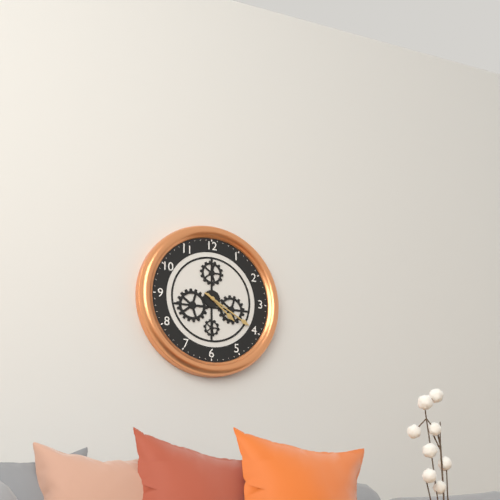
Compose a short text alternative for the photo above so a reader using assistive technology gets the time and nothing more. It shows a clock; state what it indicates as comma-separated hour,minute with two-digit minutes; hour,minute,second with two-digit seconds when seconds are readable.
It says 4,20
